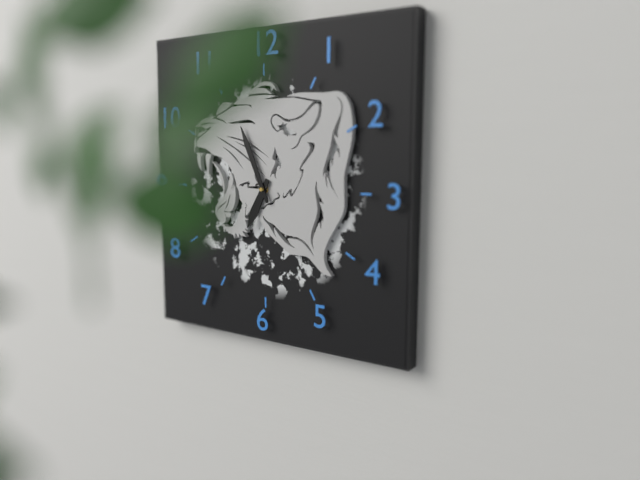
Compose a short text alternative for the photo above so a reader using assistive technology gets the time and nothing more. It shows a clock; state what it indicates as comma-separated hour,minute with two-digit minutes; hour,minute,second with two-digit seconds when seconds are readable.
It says 6,56
